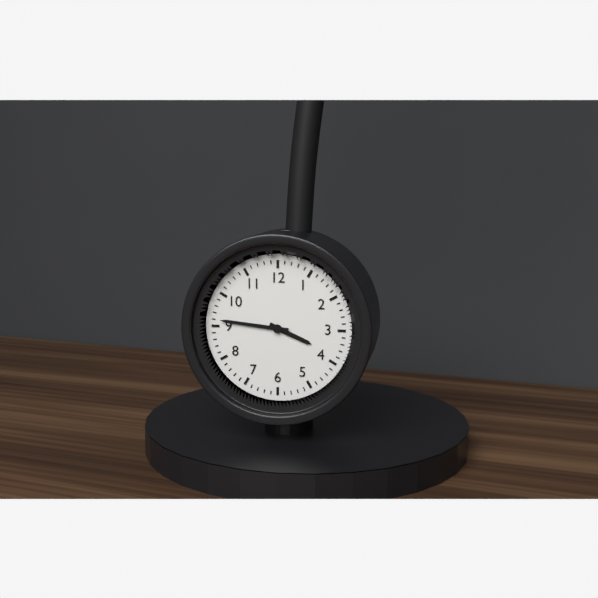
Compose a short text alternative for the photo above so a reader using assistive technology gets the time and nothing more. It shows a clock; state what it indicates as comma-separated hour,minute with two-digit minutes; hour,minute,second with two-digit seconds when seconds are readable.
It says 3,46
